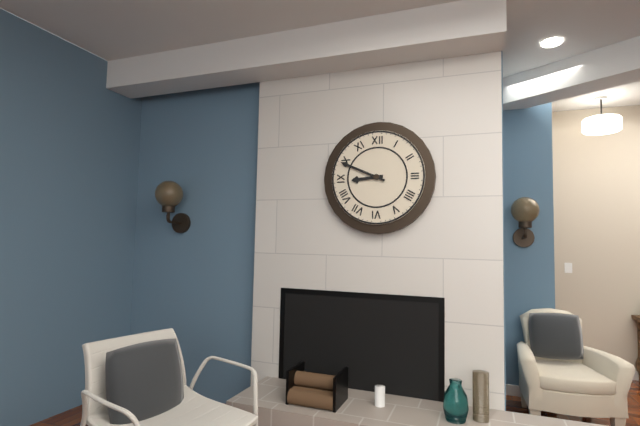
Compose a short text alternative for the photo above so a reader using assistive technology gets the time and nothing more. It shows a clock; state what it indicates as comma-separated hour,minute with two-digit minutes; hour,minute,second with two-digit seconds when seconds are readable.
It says 8,49
